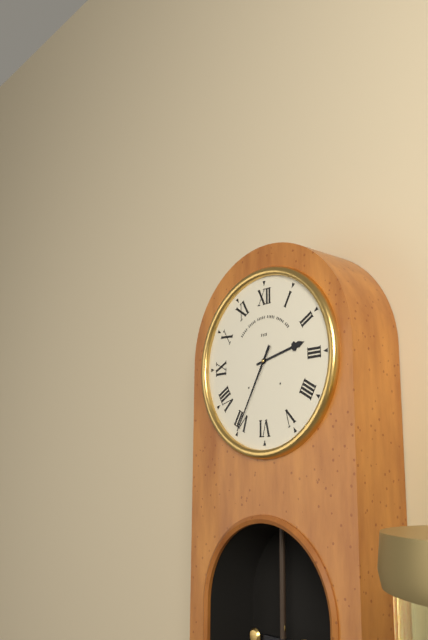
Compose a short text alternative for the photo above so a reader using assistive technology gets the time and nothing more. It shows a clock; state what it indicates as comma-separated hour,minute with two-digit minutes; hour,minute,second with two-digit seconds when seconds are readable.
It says 2,35
